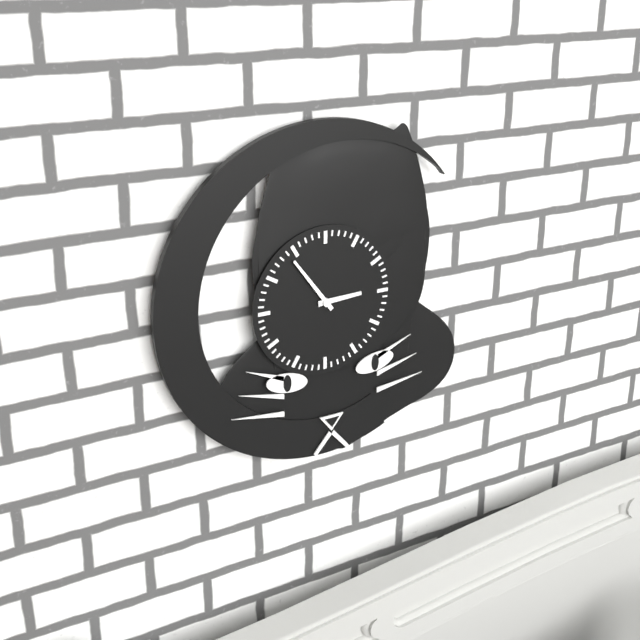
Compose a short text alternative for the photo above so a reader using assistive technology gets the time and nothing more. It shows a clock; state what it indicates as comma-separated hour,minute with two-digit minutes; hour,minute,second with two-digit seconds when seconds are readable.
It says 2,54
